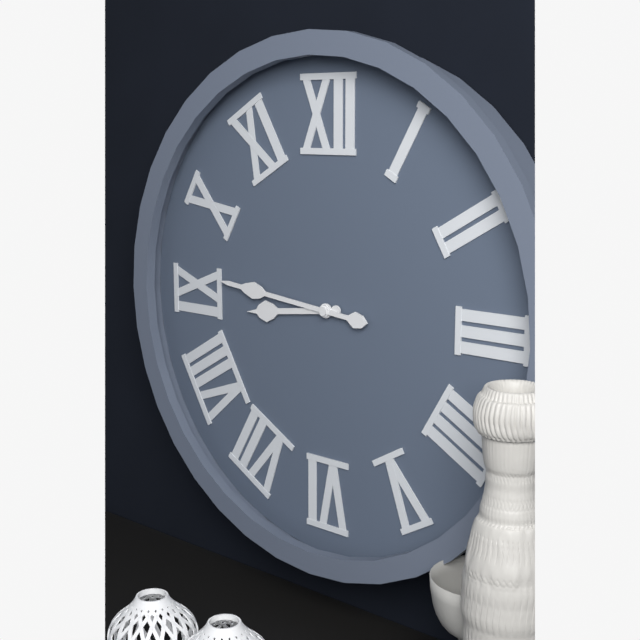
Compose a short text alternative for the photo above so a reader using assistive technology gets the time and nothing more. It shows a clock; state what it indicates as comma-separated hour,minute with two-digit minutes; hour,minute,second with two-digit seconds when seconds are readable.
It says 8,46
